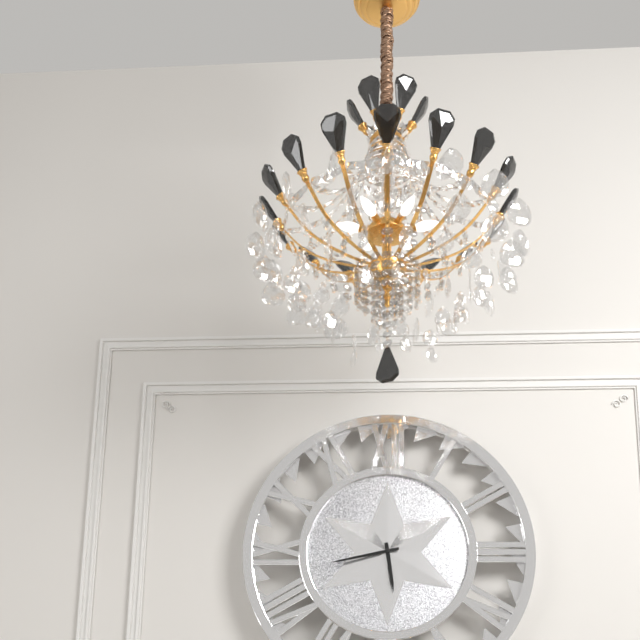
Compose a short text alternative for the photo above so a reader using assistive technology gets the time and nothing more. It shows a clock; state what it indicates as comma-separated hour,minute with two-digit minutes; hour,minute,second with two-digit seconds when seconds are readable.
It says 5,43
